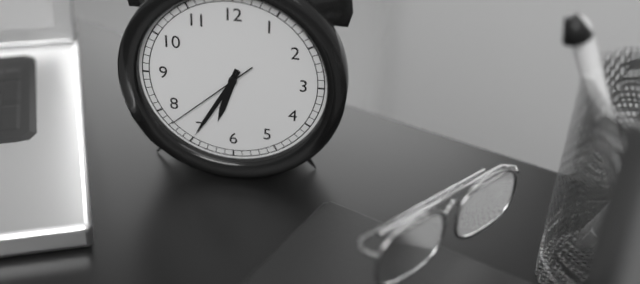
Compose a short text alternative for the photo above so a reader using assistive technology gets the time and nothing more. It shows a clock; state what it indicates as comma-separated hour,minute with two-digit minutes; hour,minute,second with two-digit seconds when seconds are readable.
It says 6,35,38
